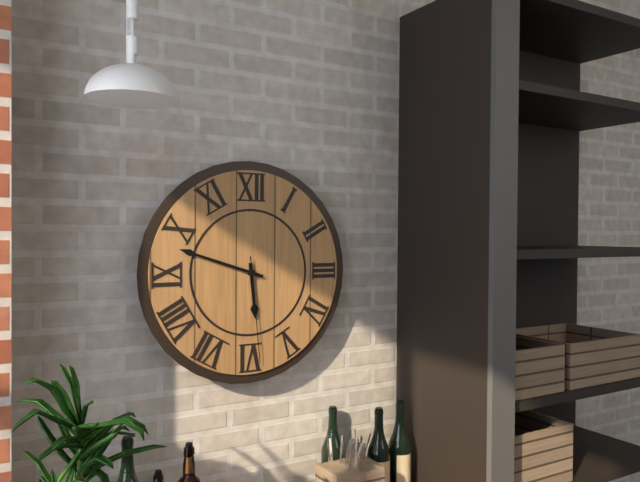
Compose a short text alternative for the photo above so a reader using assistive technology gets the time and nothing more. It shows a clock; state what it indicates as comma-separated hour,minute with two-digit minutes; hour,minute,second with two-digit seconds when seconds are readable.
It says 5,48,29
